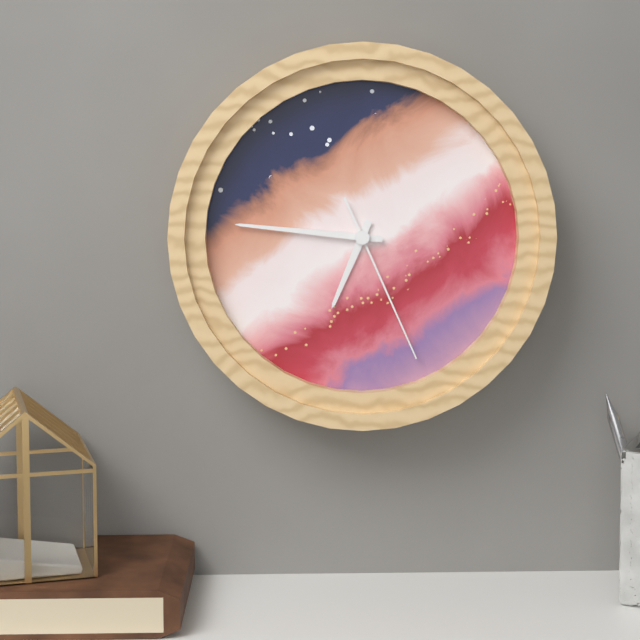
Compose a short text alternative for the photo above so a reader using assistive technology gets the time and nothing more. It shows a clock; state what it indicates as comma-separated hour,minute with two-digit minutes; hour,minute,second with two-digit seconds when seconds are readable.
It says 6,46,26
